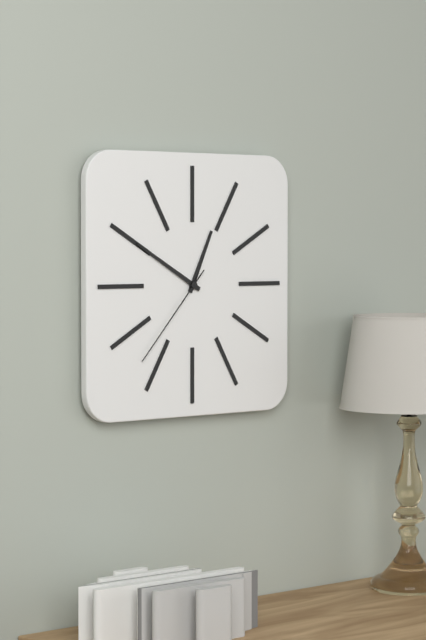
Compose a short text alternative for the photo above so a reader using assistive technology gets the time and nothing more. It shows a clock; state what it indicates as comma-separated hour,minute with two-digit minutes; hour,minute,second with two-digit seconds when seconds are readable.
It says 12,50,37
